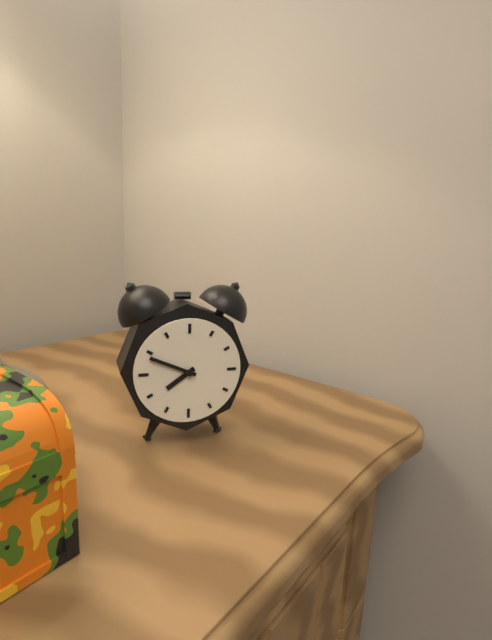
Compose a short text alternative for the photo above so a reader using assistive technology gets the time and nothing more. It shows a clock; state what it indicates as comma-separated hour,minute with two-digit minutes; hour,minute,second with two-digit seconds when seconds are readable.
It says 7,49
